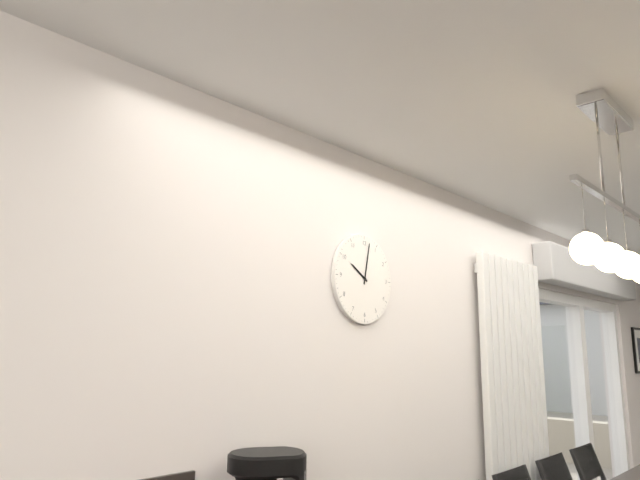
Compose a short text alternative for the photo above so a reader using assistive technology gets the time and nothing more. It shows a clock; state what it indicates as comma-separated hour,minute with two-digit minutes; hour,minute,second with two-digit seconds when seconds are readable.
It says 10,02
